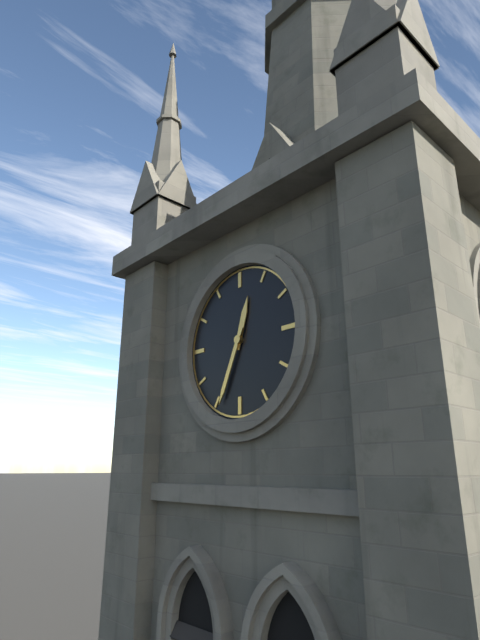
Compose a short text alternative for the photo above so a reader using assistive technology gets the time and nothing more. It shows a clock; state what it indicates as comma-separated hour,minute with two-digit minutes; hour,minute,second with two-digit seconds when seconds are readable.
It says 12,34
